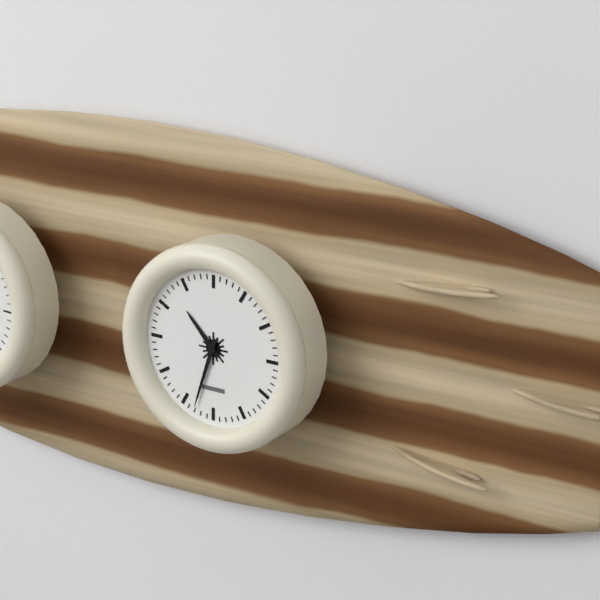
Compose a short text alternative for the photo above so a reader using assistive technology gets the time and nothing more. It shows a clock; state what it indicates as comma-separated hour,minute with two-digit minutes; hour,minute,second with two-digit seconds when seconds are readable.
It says 10,33
